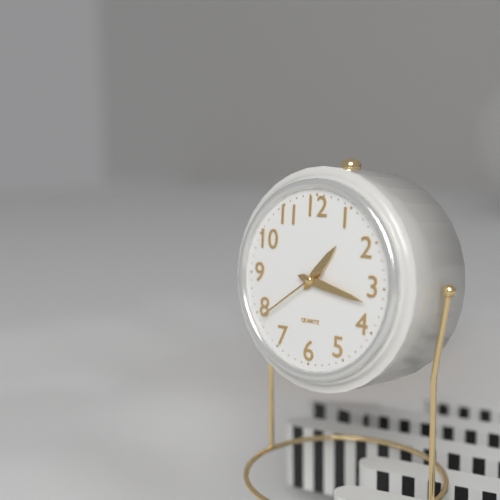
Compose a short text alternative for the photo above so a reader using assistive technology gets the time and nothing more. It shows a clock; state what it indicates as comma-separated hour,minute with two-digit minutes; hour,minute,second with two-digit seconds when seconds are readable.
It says 1,17,39
